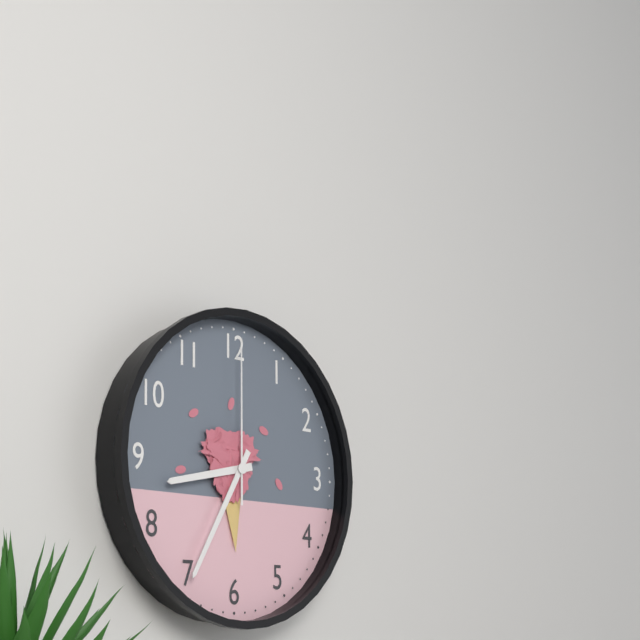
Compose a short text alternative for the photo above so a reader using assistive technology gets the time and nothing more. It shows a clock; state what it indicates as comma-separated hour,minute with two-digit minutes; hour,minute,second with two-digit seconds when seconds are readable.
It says 8,35,00
